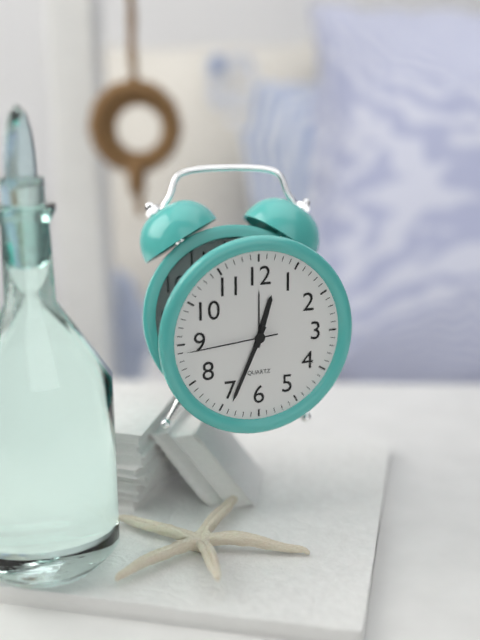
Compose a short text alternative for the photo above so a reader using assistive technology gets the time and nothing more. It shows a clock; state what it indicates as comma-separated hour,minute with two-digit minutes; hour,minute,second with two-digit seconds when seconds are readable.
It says 12,34,44
